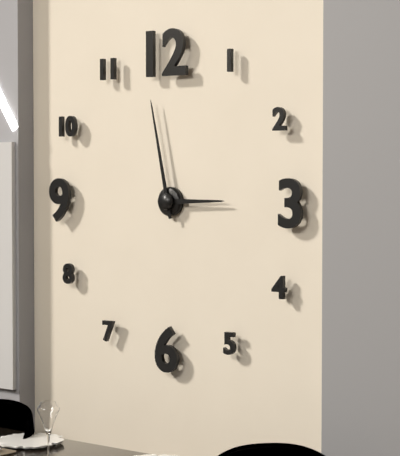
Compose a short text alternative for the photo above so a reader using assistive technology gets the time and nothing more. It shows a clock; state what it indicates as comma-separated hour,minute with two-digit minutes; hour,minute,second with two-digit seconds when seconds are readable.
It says 2,58
